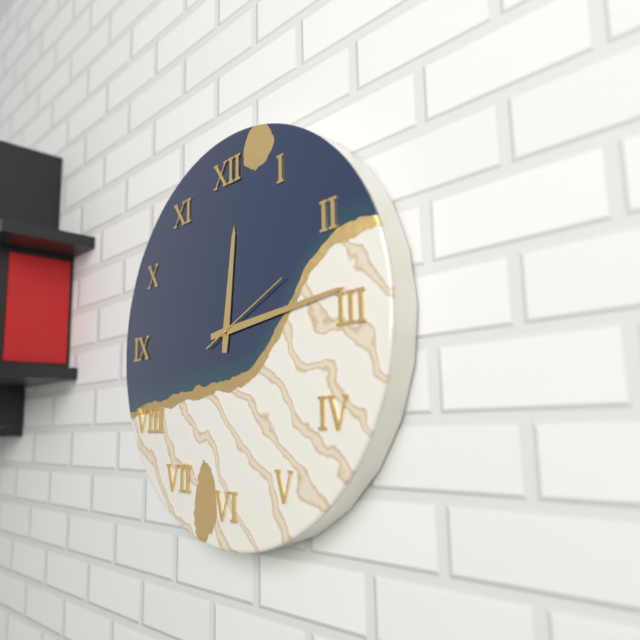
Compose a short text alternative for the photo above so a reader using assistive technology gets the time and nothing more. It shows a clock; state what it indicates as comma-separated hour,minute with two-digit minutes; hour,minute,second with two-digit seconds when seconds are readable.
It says 12,14,11
